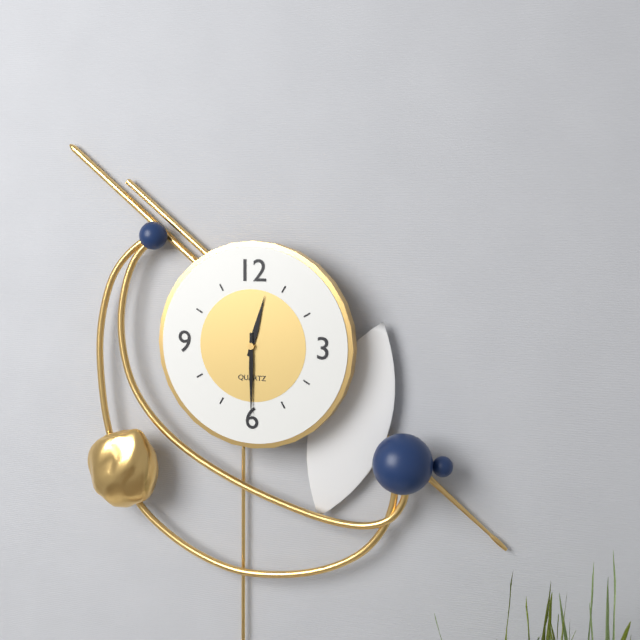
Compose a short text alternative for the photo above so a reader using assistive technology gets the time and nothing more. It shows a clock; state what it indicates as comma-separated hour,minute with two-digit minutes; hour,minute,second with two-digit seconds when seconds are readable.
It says 12,30
